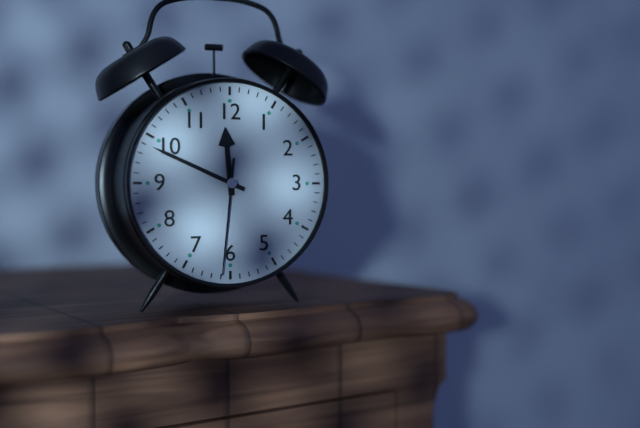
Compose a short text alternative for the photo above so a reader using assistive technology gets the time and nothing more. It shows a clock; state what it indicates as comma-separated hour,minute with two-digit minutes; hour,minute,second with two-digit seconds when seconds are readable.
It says 11,49,31
